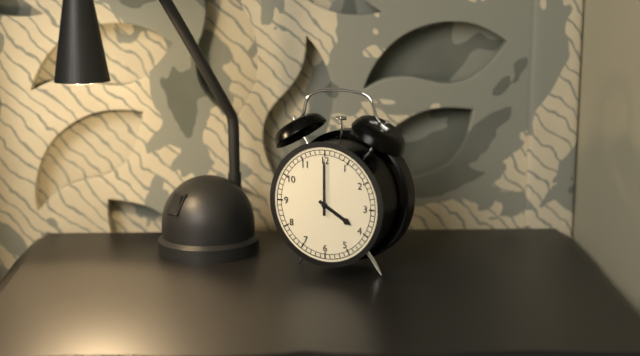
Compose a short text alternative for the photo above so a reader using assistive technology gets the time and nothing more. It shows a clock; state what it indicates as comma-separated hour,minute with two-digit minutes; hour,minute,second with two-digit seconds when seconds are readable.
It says 4,00
